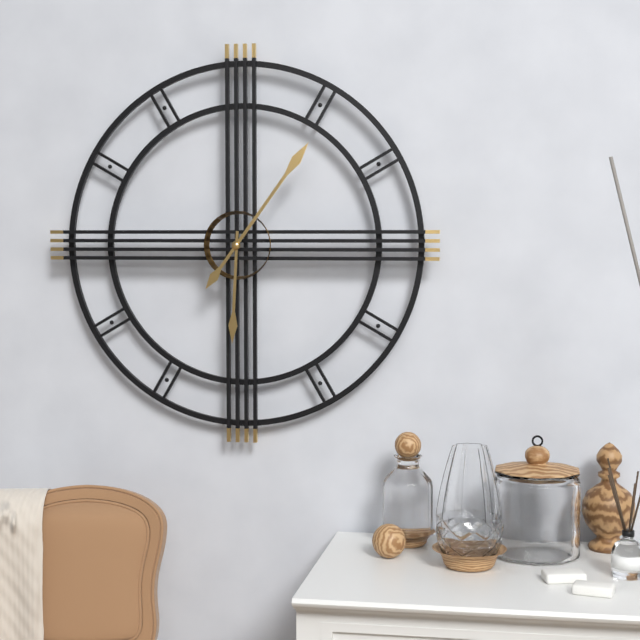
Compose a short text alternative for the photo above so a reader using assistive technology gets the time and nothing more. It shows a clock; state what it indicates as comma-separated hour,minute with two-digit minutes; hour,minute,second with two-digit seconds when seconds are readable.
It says 6,06
